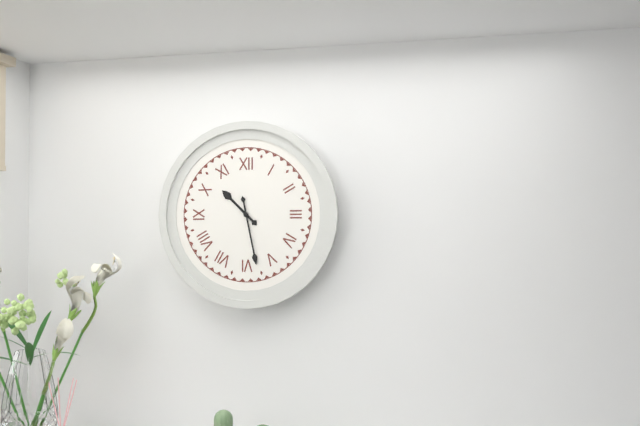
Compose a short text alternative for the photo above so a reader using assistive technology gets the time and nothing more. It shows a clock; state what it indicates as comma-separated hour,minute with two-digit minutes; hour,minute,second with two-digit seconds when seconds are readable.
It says 10,28
